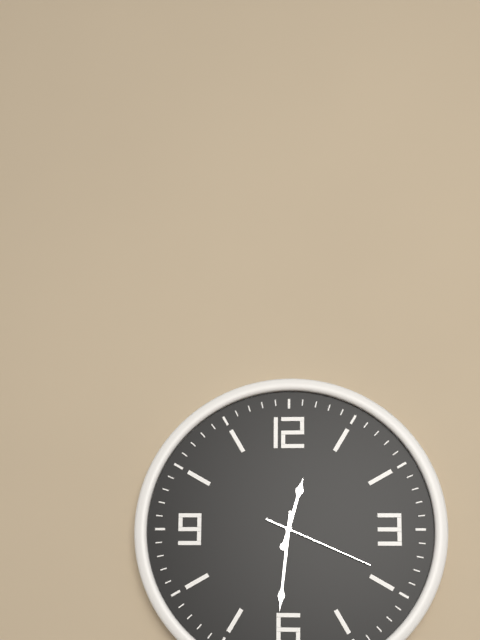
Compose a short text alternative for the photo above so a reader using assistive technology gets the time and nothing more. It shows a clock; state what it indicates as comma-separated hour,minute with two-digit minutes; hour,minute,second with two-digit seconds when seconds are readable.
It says 12,31,19
